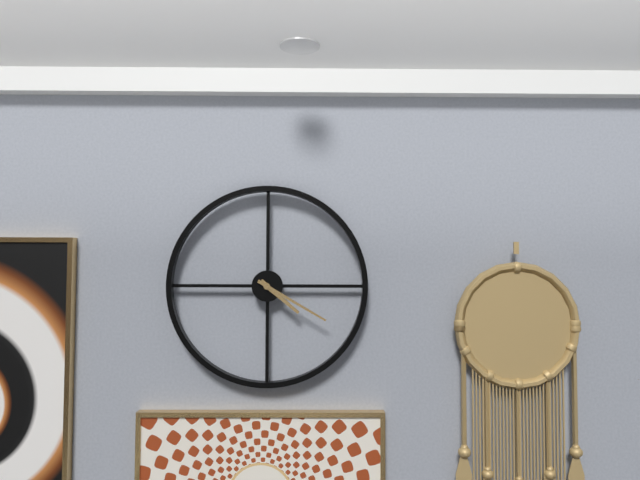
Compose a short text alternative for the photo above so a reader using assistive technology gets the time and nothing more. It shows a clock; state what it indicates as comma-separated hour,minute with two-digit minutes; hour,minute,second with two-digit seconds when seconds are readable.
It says 4,20
